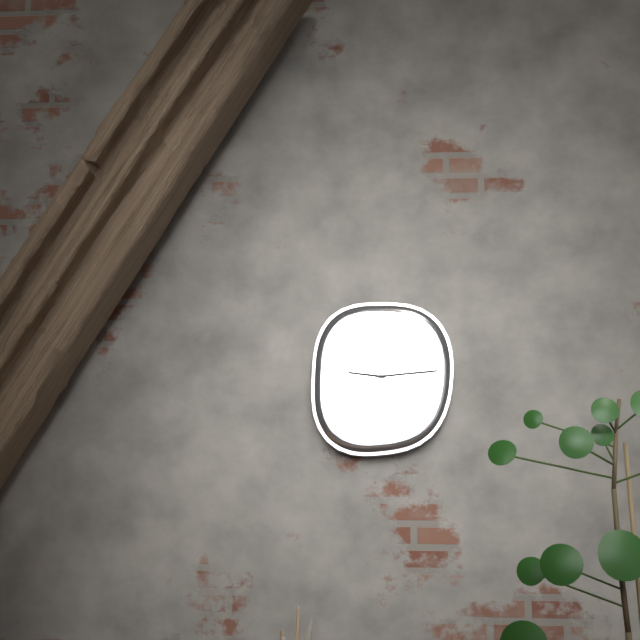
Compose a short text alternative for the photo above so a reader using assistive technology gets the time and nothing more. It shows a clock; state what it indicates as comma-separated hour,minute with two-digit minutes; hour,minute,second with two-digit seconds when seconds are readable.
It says 9,14
